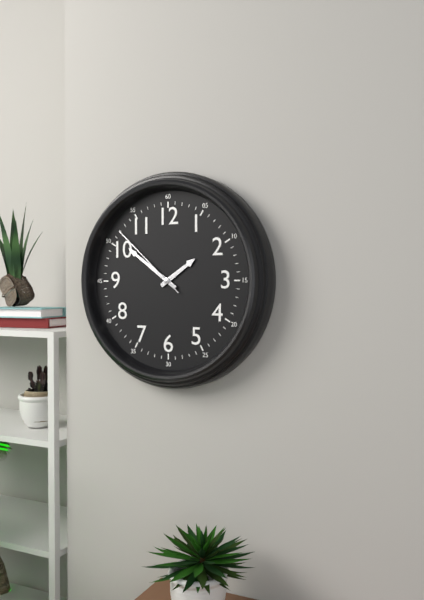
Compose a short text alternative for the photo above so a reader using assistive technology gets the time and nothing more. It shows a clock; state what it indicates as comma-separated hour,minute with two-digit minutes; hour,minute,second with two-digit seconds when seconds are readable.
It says 1,51,52
